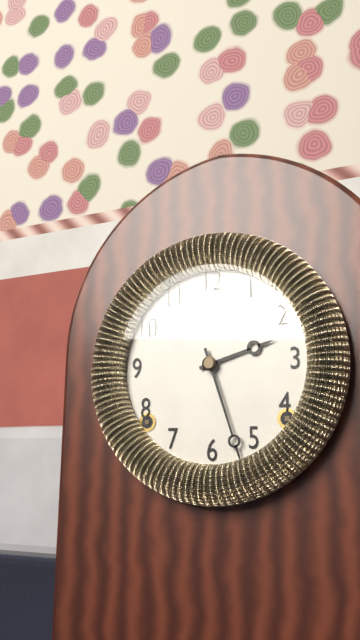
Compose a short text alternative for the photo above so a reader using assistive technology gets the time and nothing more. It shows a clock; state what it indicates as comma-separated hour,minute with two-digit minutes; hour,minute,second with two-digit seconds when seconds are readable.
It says 2,27
